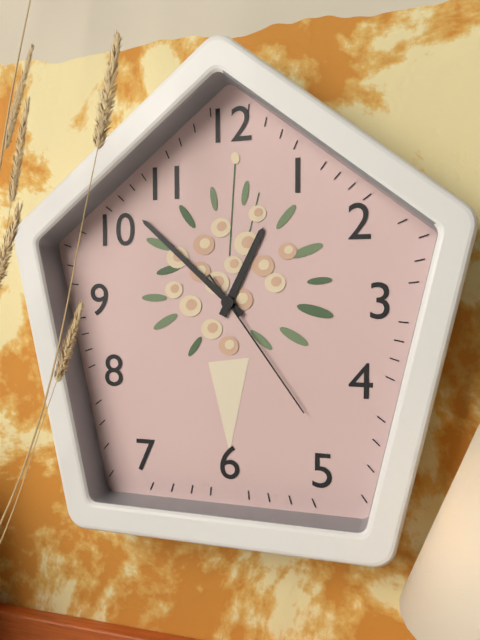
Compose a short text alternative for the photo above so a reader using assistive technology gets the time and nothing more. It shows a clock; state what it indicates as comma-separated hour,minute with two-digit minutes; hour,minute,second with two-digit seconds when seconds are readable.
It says 12,52,24
